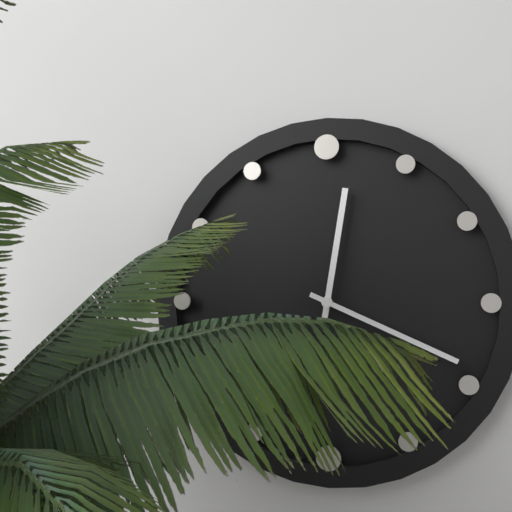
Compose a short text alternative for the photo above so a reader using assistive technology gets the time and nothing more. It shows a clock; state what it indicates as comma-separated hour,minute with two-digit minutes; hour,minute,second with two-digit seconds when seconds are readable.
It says 12,19
